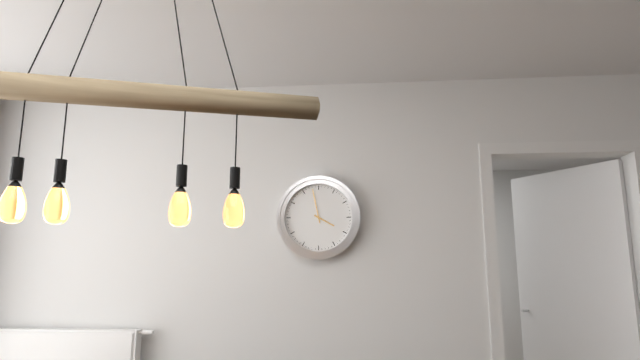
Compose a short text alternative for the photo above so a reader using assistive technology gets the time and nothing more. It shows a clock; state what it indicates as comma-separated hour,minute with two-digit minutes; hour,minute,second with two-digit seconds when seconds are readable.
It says 3,58
